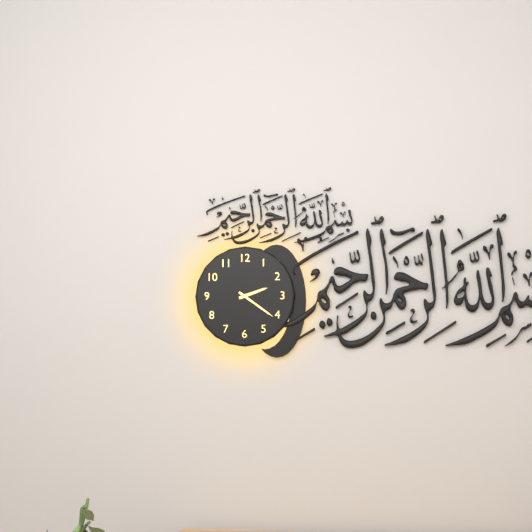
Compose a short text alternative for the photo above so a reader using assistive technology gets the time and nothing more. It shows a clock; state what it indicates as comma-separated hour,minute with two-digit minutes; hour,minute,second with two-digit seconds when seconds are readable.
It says 2,21
